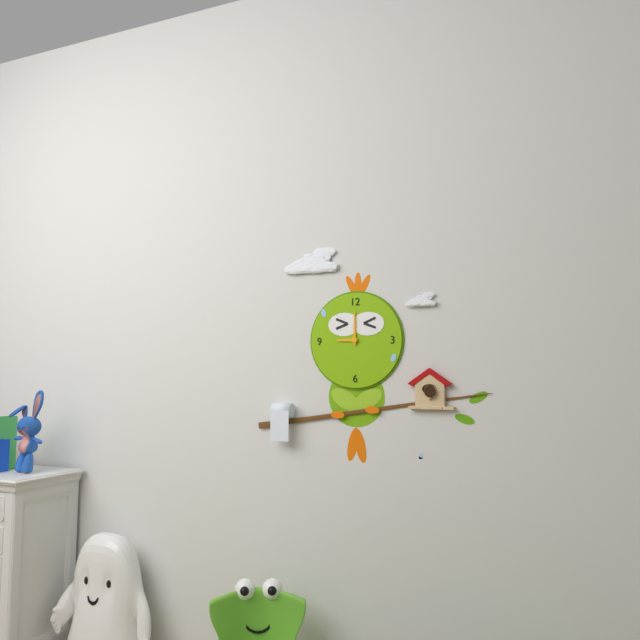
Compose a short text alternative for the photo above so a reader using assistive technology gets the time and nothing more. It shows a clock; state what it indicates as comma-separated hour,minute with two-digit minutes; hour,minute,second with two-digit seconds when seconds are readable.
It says 9,00
